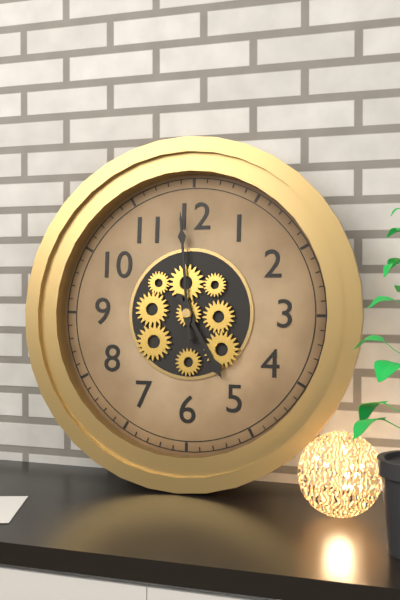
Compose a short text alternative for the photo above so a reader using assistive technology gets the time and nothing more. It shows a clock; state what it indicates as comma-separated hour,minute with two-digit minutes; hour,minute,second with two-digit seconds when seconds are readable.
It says 4,59
